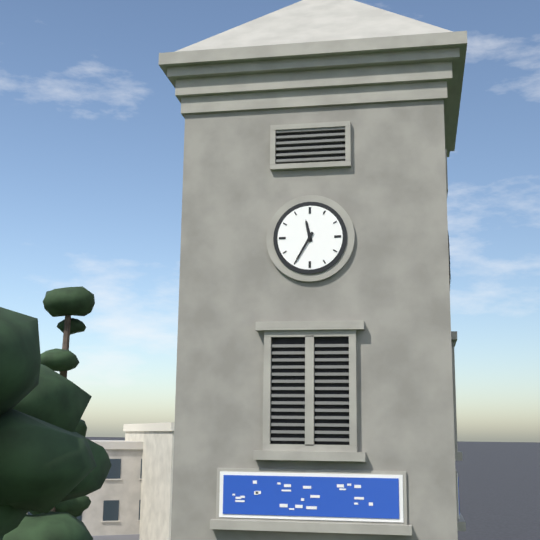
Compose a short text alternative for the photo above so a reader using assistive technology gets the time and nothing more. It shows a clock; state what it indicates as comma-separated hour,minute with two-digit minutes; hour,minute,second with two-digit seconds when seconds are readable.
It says 11,35
